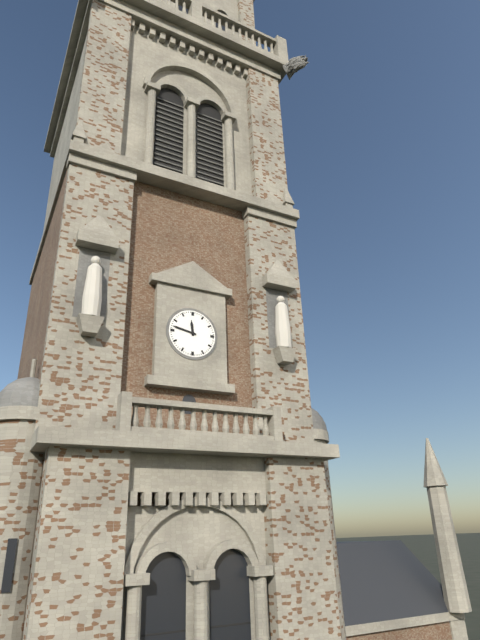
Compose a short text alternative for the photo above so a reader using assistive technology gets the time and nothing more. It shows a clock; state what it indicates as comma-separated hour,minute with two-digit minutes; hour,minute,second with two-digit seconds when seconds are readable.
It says 11,47
